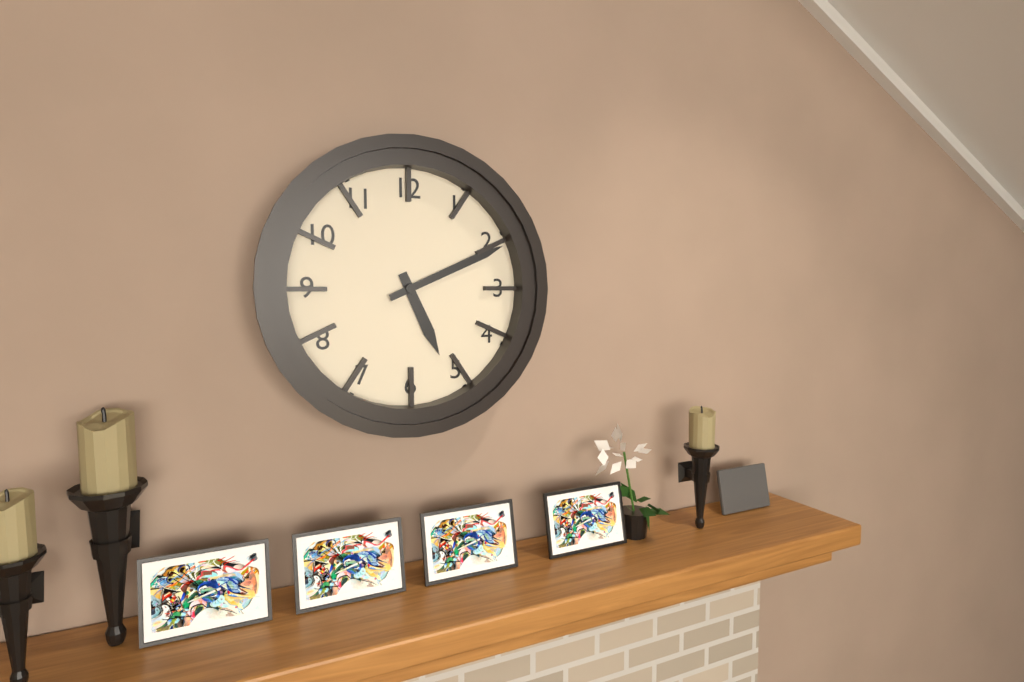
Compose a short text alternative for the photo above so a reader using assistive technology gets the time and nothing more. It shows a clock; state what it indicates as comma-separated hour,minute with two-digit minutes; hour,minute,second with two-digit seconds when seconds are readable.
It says 5,11
